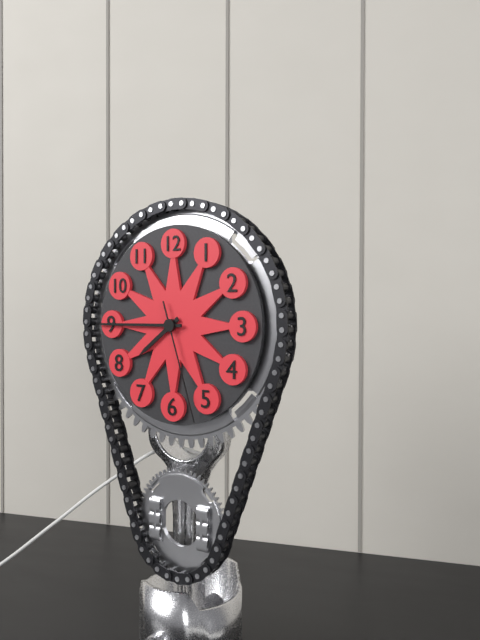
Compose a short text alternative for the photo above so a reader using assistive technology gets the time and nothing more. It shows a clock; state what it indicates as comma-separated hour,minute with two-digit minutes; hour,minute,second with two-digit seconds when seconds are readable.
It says 7,45,27
